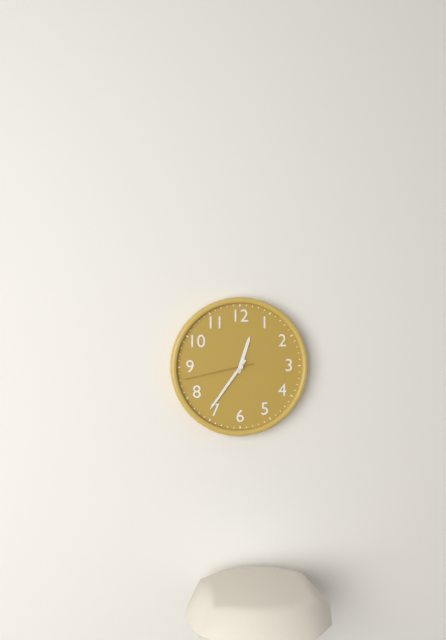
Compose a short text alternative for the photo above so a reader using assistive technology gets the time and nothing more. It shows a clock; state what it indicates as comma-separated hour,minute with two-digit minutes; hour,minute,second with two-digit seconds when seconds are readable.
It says 12,36,43
